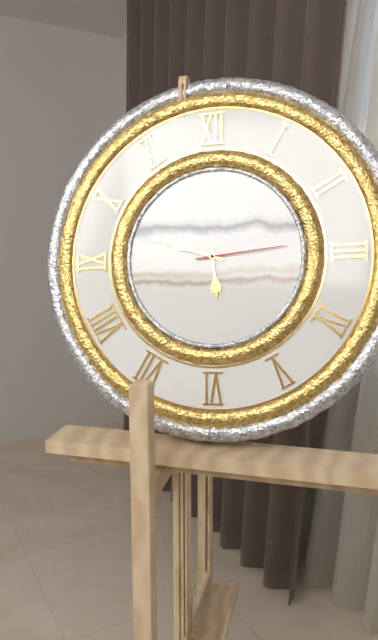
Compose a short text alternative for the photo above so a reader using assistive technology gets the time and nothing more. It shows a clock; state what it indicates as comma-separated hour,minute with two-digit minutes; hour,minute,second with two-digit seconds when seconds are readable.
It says 5,48,14
